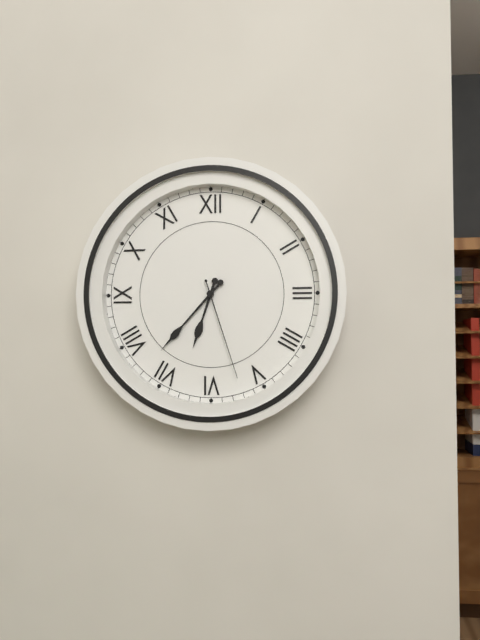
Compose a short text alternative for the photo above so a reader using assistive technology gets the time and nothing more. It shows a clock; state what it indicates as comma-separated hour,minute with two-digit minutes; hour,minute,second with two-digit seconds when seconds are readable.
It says 6,37,27
